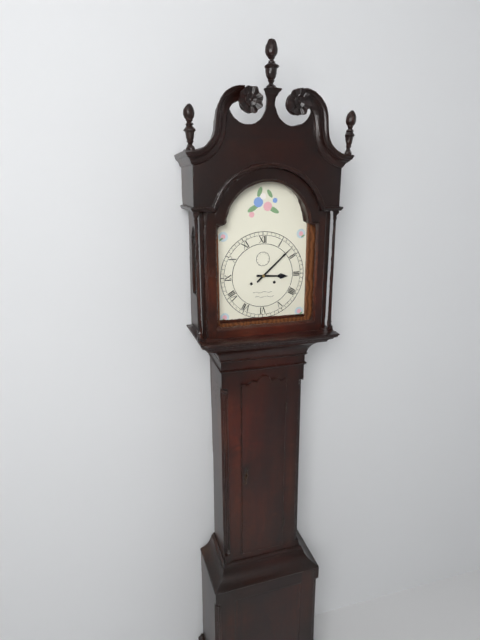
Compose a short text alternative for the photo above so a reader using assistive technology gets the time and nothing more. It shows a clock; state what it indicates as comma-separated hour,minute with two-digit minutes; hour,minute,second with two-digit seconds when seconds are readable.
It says 3,08
